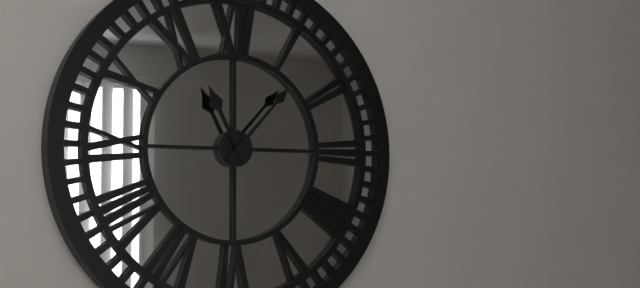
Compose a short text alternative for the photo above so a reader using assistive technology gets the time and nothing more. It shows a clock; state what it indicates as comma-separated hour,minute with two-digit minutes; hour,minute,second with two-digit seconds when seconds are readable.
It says 11,07
